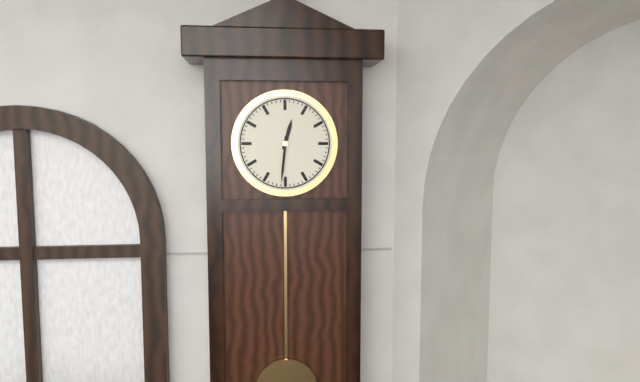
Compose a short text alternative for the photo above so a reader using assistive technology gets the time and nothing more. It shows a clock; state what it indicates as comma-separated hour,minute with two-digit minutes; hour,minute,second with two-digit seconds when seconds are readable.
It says 12,31
